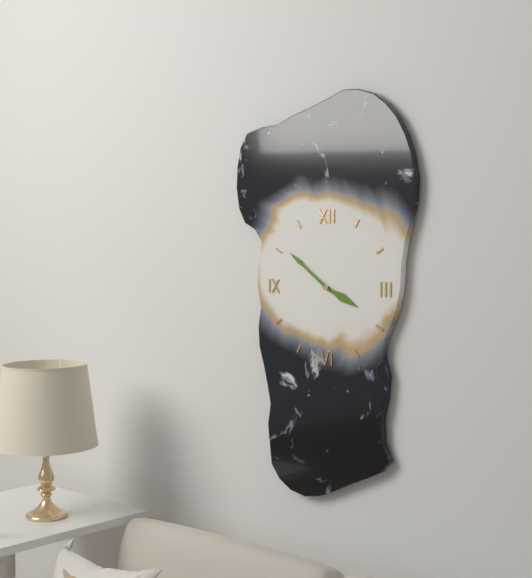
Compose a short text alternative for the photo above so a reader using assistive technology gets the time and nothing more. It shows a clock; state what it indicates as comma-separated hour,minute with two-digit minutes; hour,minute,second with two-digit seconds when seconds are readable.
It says 3,51
